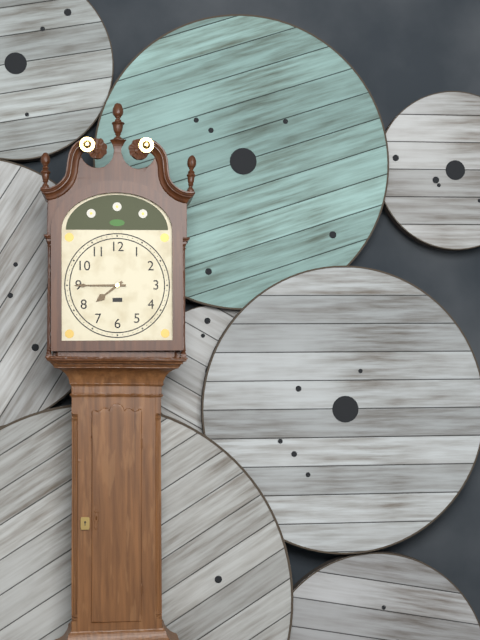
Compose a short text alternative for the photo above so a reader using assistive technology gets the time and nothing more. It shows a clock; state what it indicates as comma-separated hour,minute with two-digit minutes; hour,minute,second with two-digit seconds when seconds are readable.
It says 7,45
